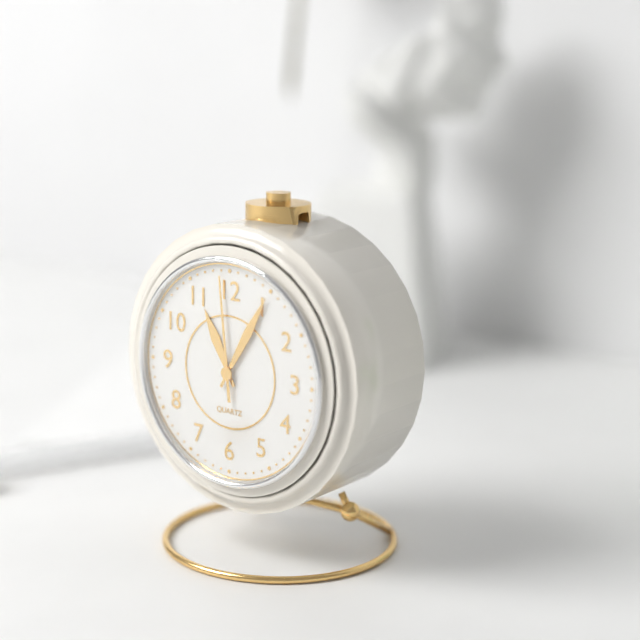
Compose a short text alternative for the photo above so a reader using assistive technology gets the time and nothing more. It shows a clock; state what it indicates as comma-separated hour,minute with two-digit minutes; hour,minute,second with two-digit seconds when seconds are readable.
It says 11,05,59
